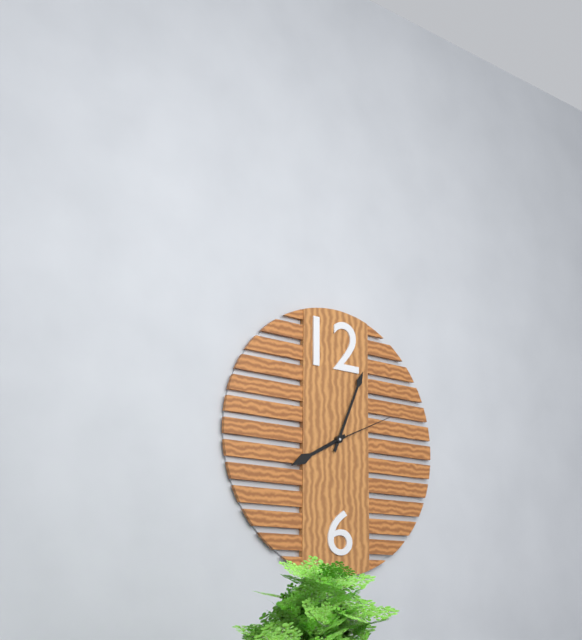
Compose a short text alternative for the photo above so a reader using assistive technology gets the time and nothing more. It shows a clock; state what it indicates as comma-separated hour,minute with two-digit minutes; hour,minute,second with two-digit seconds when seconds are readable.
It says 8,04,11
